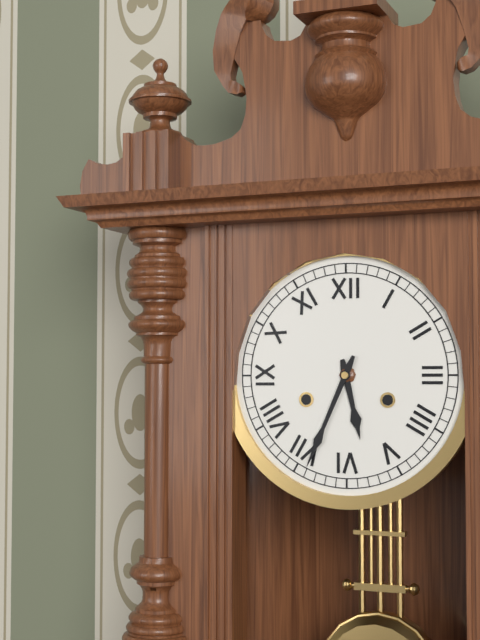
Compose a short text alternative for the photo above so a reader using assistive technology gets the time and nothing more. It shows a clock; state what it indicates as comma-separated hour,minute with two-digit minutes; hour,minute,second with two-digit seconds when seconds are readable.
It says 5,34
